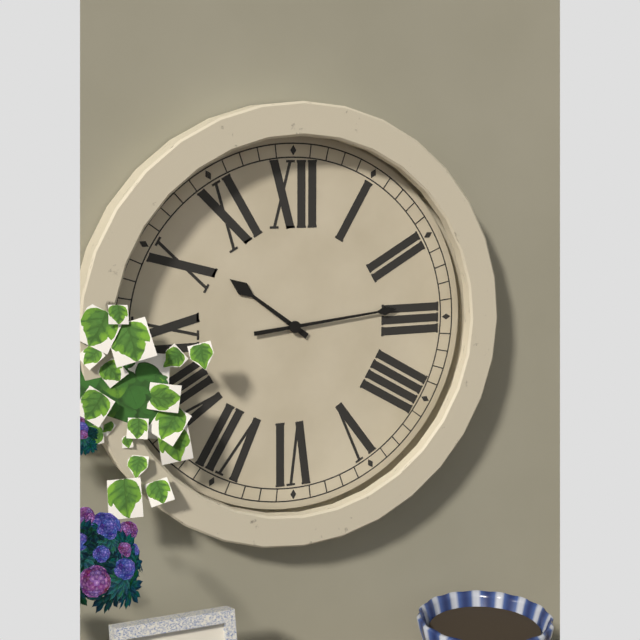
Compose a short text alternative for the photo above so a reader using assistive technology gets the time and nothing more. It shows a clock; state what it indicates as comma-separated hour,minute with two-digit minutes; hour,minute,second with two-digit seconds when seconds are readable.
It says 10,14
